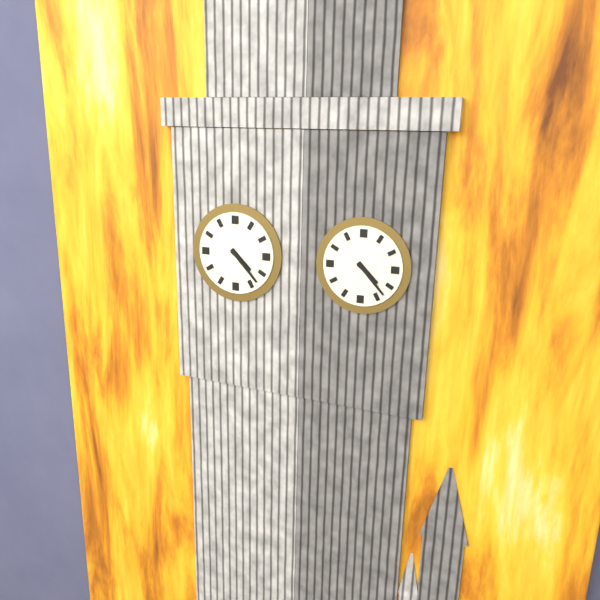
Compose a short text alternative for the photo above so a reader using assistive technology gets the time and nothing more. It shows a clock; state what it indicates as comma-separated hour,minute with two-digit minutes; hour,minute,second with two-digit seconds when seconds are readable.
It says 4,23
